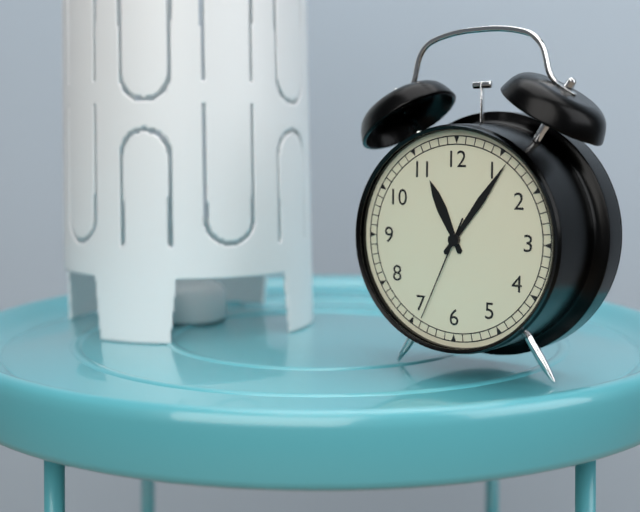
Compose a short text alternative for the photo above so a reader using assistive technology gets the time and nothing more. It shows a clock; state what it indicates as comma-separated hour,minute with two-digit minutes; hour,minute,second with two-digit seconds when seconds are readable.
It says 11,06,34
